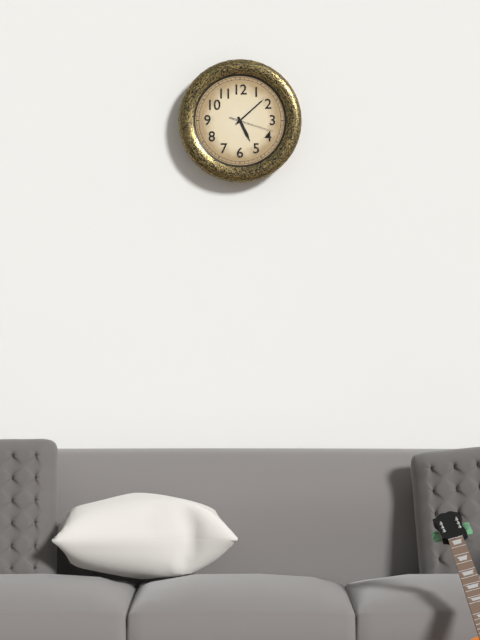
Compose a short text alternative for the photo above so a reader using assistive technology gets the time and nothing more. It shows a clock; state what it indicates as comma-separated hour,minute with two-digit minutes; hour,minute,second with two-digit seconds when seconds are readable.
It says 5,08
